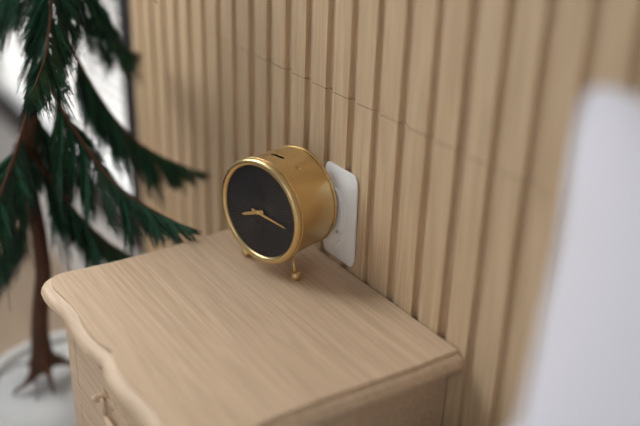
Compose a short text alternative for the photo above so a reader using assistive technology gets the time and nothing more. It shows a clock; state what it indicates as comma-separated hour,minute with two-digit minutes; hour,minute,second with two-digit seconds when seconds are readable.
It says 8,16
